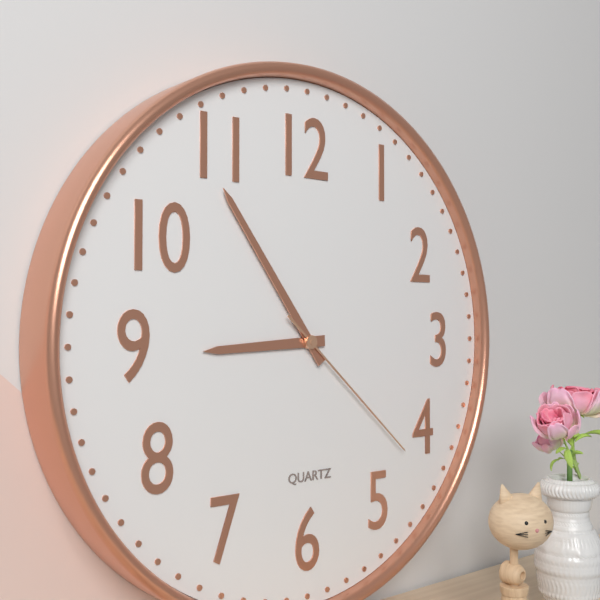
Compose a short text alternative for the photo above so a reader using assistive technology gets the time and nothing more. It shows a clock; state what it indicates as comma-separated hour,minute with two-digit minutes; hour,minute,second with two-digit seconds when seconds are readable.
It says 8,54,22
